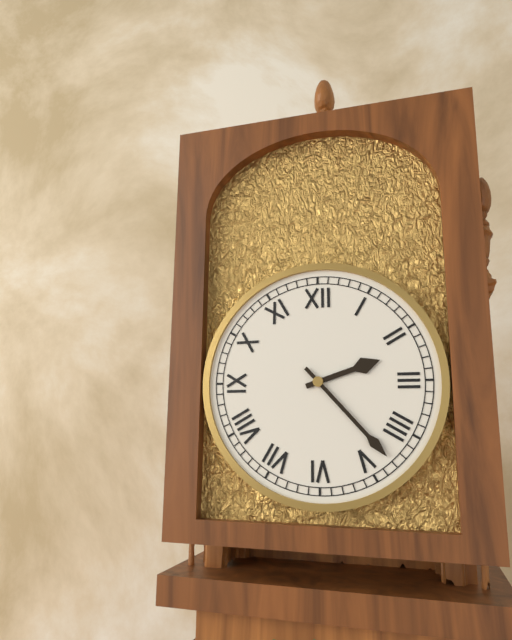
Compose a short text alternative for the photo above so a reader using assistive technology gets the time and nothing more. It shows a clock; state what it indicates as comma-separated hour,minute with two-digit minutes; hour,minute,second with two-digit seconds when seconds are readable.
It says 2,23
